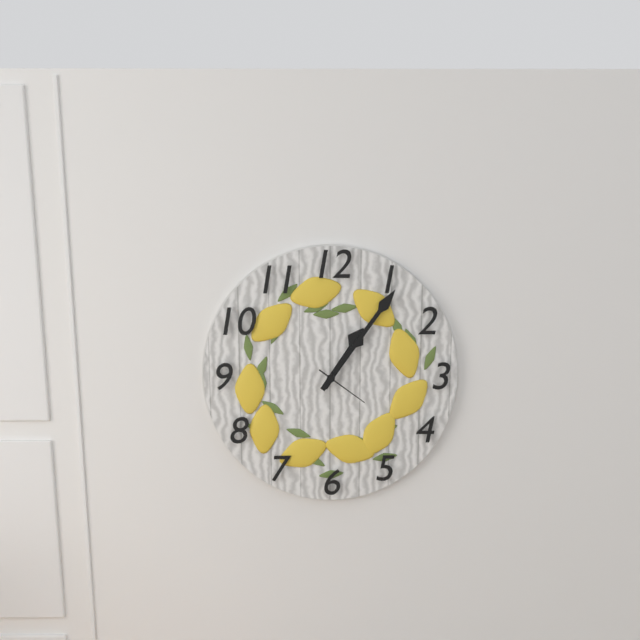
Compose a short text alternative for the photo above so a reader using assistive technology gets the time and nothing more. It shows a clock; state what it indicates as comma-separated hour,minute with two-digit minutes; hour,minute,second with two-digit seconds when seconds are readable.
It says 1,06,21
